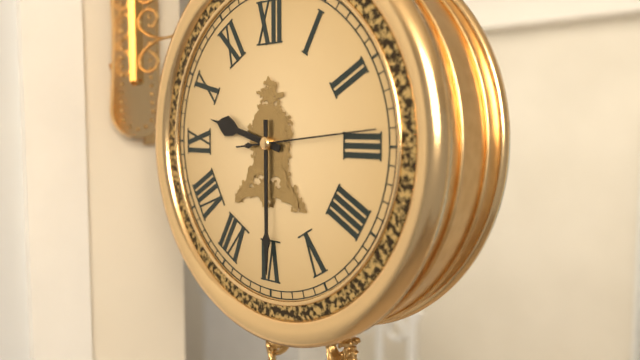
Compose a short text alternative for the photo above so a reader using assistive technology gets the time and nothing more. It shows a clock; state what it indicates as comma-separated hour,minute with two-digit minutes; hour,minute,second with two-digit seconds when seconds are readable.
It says 9,30,14
